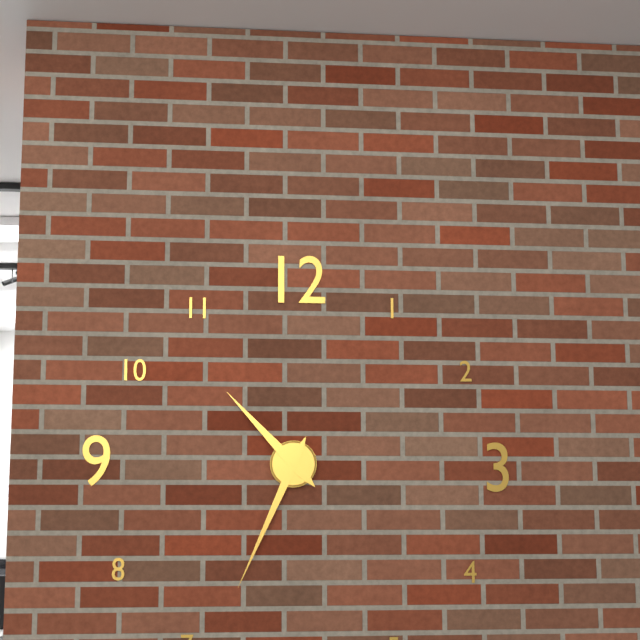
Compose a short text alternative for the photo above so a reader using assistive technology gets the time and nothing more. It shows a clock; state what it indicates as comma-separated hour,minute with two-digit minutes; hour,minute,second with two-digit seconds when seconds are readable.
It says 10,34
